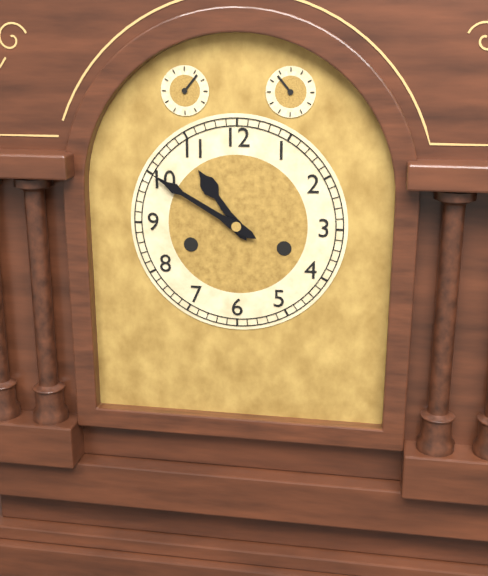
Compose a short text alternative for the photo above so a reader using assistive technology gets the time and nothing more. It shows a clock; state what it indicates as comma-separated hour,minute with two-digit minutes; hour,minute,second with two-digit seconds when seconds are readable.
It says 10,50
